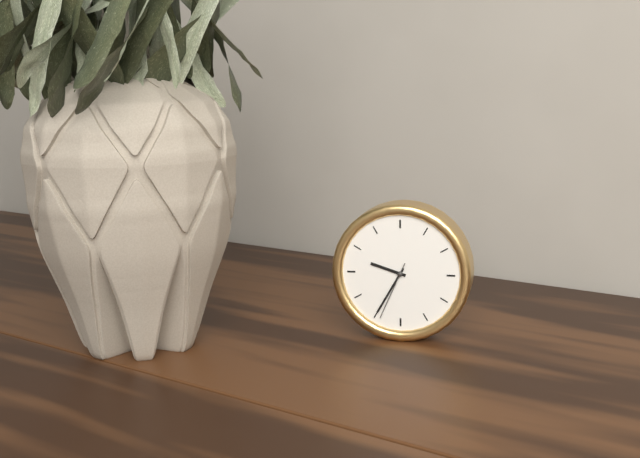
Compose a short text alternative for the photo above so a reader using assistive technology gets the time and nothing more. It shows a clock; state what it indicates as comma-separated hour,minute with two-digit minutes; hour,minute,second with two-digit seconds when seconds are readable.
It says 9,35,34
